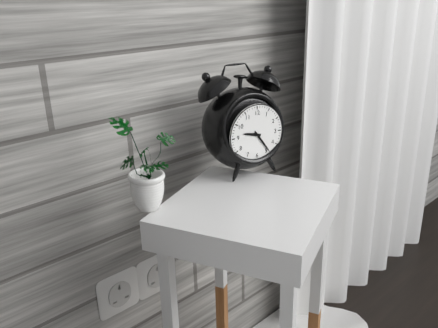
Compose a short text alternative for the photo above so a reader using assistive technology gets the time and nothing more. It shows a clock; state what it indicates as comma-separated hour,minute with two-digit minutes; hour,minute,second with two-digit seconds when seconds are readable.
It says 9,24
